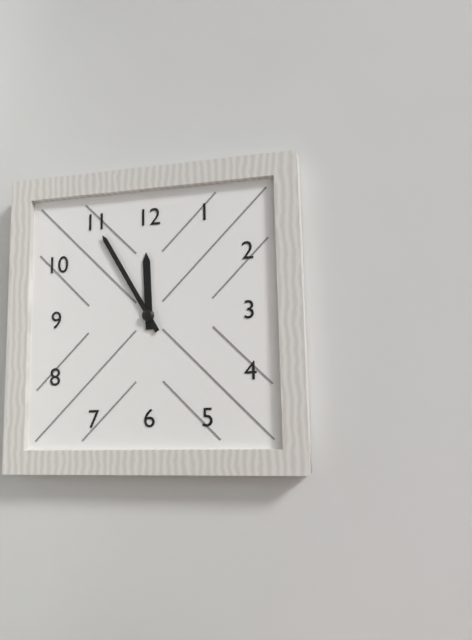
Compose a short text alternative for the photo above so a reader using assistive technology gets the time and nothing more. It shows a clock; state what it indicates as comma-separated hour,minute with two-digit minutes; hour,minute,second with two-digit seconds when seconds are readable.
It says 11,55
